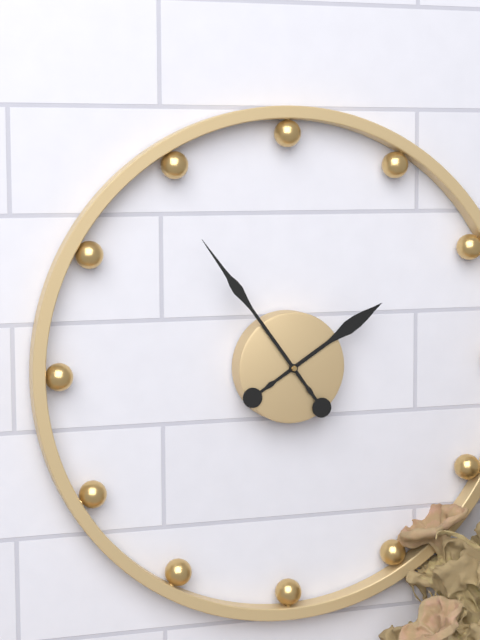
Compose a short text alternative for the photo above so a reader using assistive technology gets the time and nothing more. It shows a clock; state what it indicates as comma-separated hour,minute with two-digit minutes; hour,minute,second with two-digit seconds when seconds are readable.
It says 1,54
